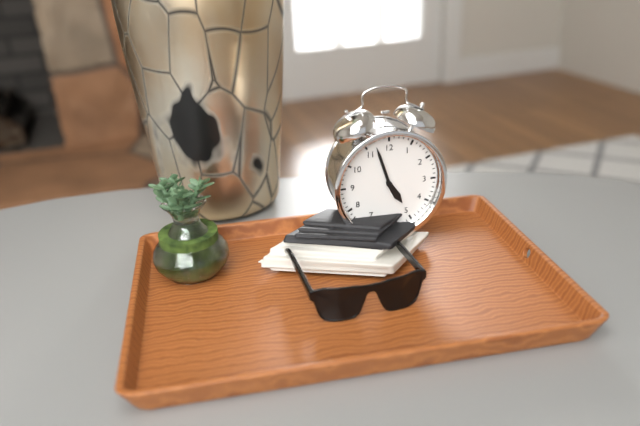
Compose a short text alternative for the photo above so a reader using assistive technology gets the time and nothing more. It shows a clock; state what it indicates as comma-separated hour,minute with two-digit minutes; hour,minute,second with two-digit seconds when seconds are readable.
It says 4,57
